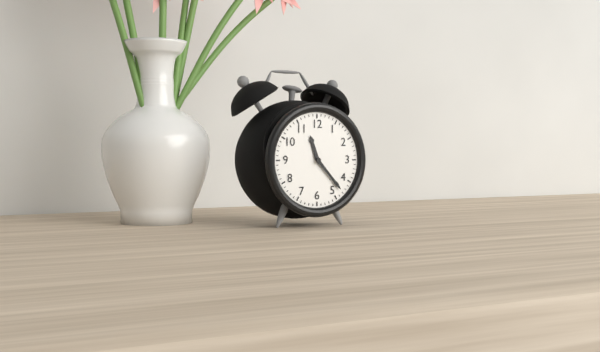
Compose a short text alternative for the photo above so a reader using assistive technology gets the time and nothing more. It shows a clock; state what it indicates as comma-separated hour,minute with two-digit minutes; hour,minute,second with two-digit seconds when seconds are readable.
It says 11,23
